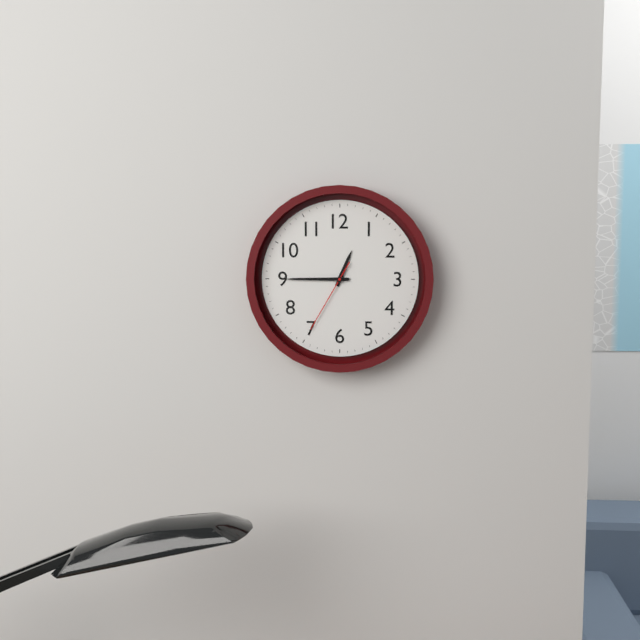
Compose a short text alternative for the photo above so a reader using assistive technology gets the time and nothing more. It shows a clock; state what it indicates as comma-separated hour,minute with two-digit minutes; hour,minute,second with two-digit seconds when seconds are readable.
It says 12,45,35
